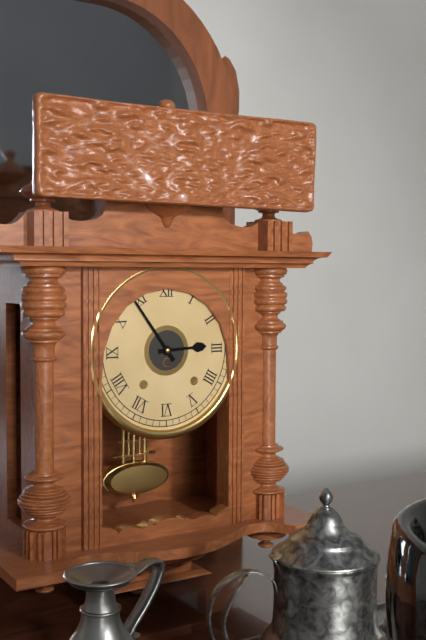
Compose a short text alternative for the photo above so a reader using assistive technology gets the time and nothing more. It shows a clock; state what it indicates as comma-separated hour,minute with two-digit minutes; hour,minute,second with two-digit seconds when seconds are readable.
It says 2,54
